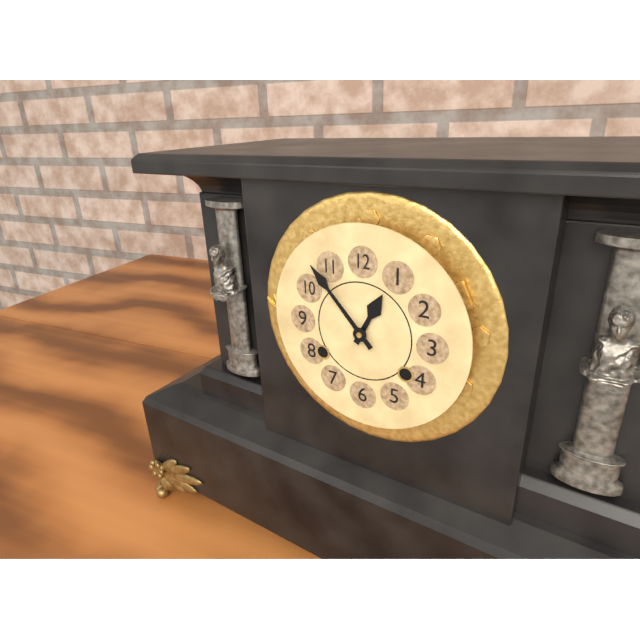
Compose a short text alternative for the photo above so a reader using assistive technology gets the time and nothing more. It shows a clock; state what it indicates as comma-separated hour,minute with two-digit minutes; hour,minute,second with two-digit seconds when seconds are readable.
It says 12,53
